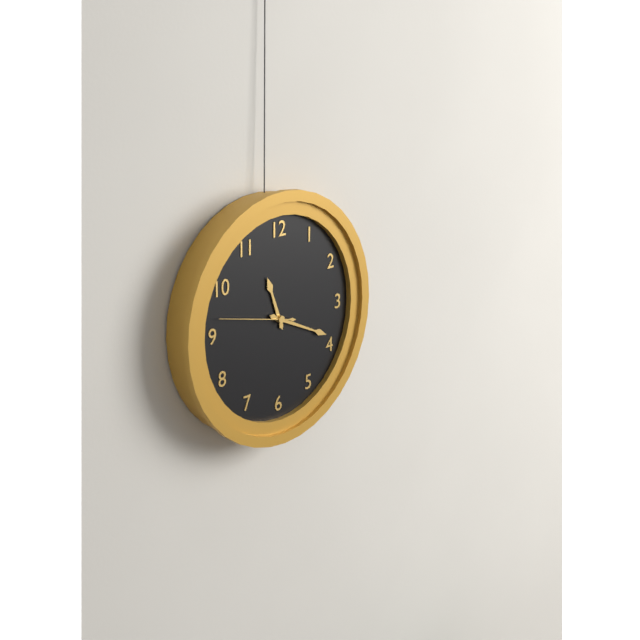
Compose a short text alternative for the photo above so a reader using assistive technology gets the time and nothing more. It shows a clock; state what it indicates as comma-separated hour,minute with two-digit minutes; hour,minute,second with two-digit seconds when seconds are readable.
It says 11,19,47
